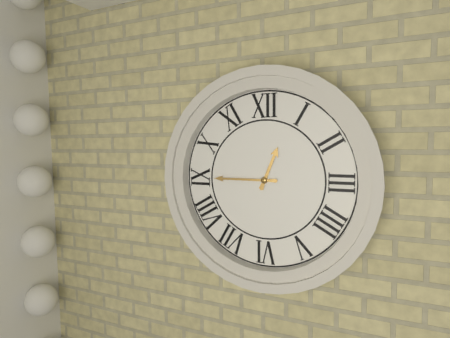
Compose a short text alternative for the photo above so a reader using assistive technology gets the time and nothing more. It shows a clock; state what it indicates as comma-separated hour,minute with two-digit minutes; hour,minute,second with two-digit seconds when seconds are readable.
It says 12,45
